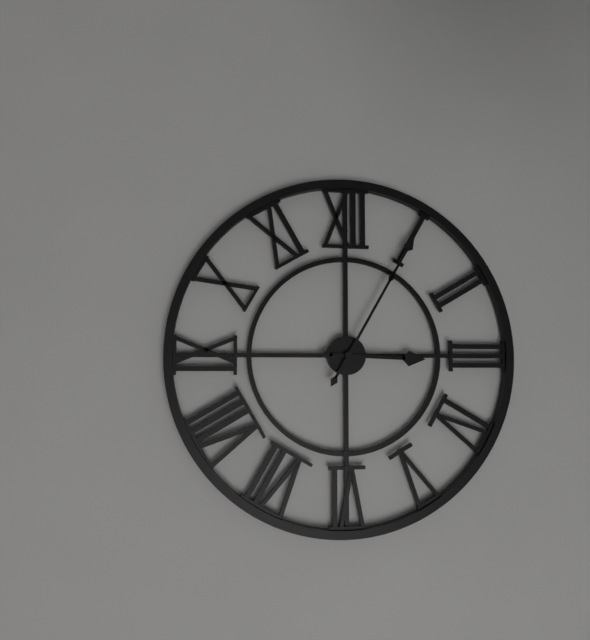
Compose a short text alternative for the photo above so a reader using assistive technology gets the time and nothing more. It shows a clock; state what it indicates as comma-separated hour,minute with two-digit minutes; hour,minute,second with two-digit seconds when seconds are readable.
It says 3,05
